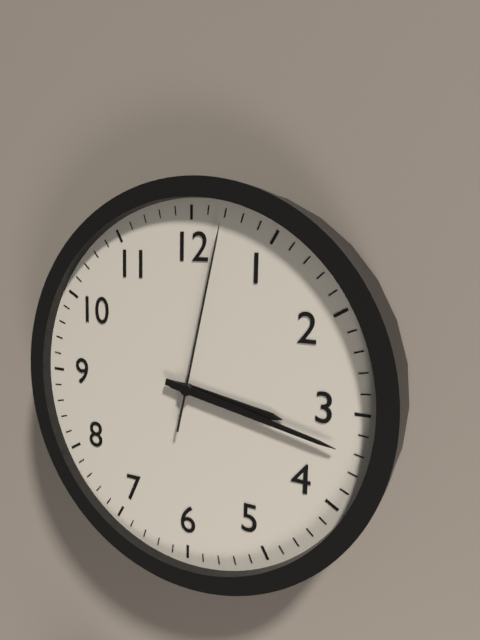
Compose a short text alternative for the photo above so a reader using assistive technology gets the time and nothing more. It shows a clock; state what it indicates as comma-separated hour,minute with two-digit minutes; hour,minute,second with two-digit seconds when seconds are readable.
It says 3,17,02
